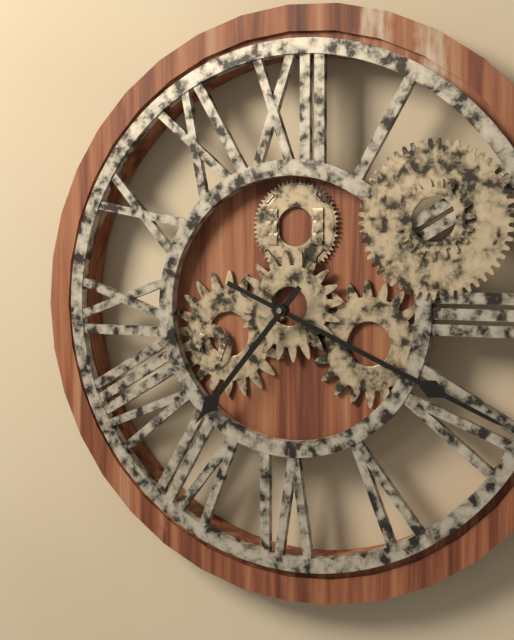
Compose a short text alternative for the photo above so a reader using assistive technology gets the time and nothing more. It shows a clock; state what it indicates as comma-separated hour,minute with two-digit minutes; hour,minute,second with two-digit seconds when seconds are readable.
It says 7,19
